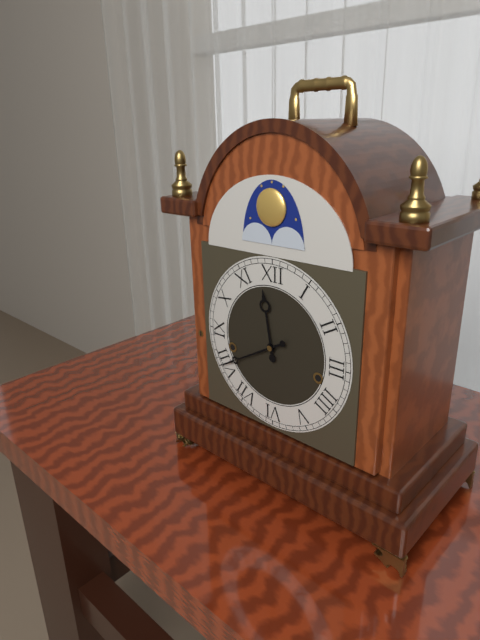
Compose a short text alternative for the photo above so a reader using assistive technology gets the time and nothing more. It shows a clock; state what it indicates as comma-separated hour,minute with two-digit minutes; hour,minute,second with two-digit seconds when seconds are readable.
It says 11,40
